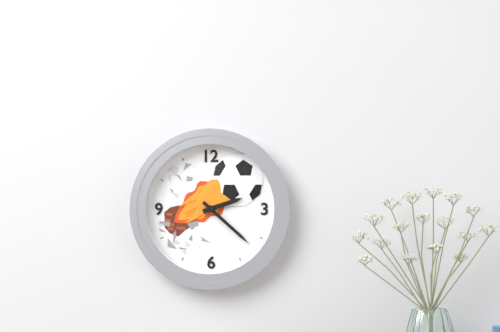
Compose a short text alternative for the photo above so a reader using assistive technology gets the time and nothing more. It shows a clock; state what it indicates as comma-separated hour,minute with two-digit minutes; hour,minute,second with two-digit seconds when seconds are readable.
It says 2,22
